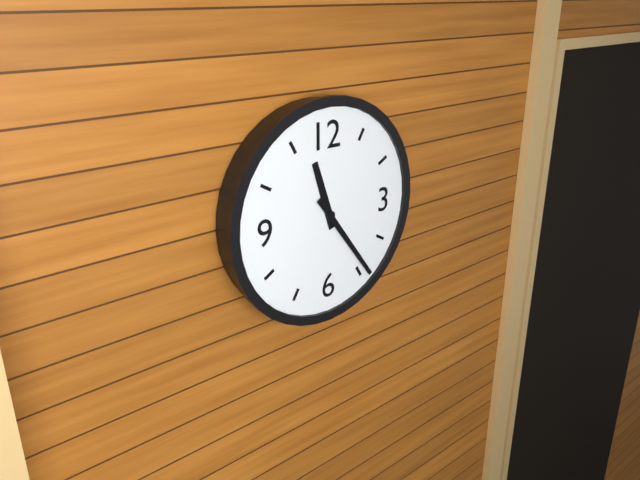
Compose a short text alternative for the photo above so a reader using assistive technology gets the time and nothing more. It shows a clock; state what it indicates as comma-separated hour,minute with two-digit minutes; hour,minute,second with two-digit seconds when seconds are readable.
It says 11,24
